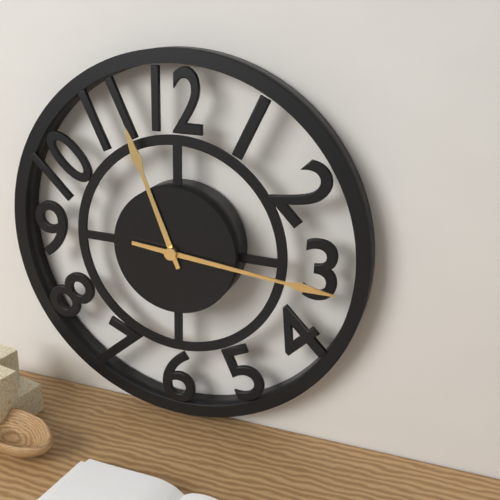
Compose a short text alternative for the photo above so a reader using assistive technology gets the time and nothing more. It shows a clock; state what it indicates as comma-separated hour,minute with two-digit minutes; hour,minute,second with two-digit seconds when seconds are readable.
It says 11,16
